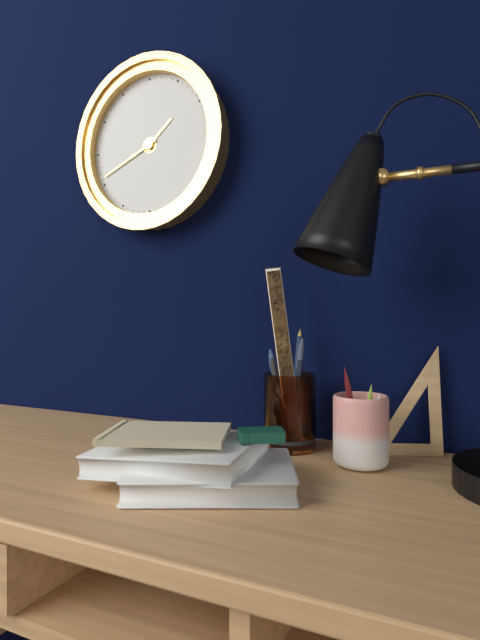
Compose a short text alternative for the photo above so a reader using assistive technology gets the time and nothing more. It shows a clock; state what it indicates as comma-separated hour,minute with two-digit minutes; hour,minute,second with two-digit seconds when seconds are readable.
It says 1,41
